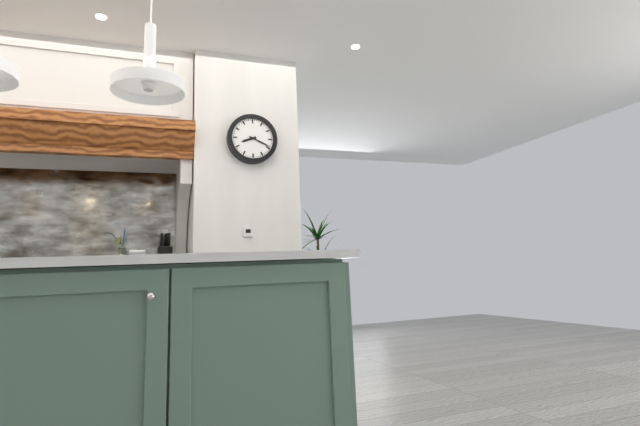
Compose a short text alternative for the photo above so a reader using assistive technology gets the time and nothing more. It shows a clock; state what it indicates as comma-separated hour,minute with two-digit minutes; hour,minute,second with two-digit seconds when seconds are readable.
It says 8,19
